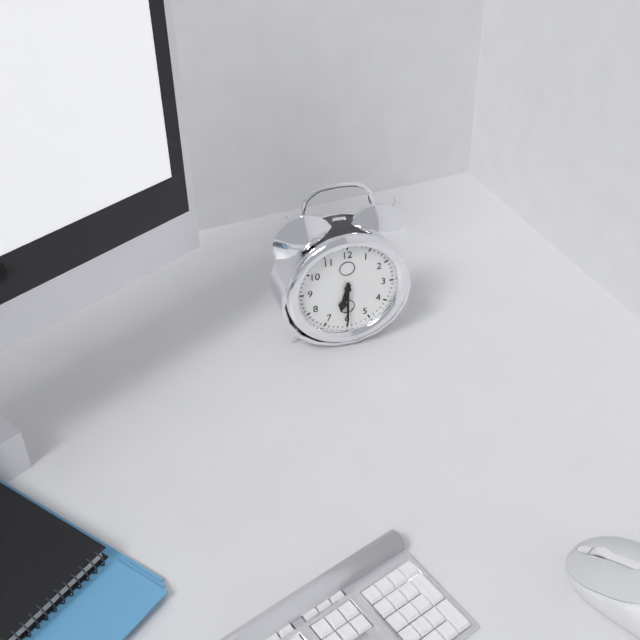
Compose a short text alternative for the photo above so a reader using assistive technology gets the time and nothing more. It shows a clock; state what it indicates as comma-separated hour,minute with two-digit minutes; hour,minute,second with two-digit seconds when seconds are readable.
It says 6,30
